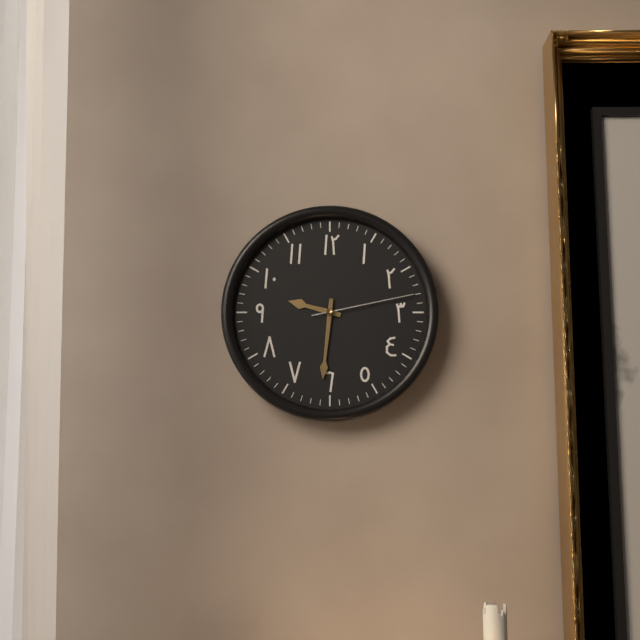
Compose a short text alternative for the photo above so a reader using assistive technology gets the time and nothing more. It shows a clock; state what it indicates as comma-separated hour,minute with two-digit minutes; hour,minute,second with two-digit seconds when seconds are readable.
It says 9,31,13
